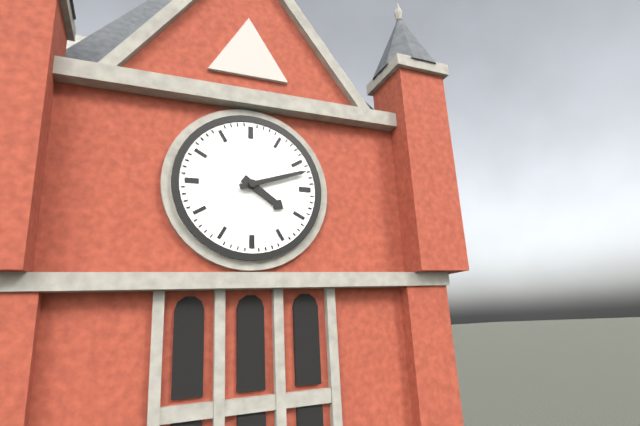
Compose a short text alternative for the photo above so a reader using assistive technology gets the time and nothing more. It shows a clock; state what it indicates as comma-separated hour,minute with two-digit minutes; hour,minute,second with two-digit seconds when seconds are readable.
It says 4,12
